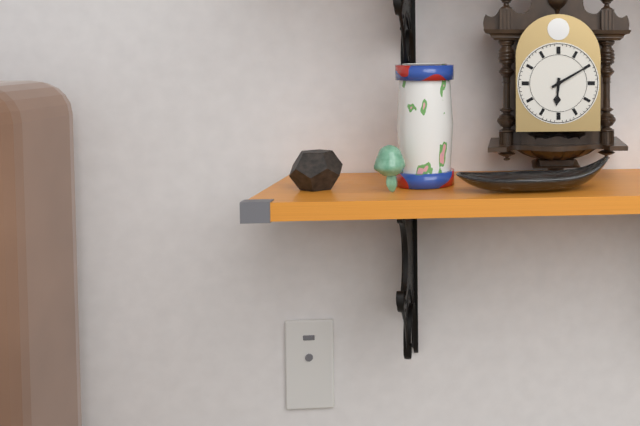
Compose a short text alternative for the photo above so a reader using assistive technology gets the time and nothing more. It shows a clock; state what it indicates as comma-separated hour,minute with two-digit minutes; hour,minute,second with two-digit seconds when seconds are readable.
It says 6,10
